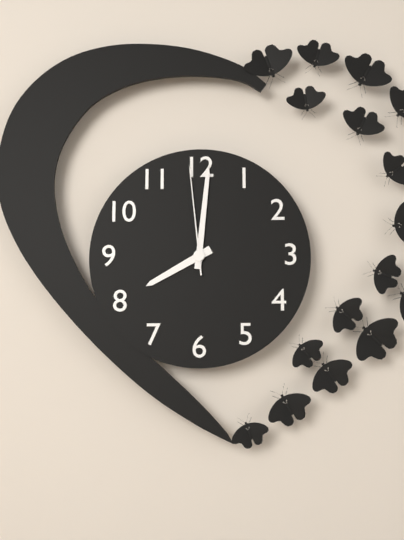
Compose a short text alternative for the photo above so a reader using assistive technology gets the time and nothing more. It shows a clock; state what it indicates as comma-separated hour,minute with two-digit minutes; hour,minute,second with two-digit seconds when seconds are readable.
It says 8,01,59
